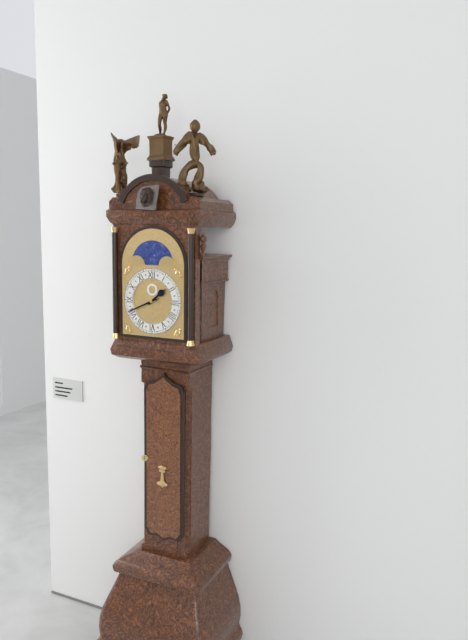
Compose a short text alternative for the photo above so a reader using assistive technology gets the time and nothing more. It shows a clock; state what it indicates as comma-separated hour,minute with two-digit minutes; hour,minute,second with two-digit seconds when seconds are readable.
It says 1,41
